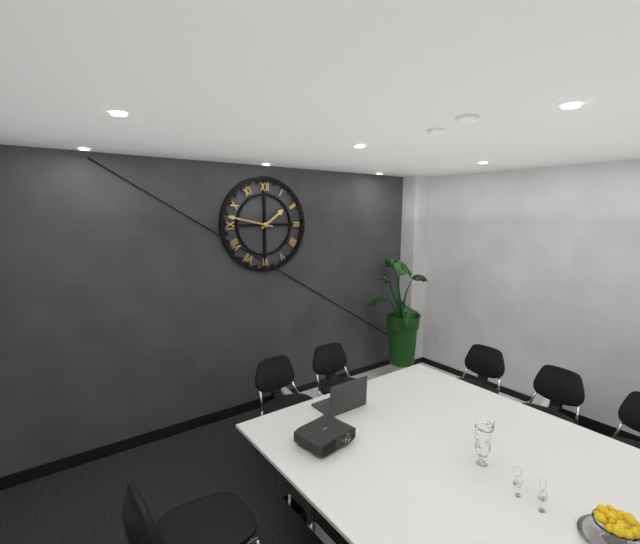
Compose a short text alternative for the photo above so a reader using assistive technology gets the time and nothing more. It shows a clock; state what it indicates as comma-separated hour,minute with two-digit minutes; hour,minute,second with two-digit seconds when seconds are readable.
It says 1,47
